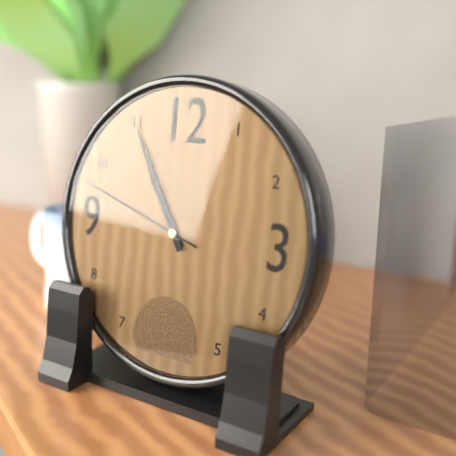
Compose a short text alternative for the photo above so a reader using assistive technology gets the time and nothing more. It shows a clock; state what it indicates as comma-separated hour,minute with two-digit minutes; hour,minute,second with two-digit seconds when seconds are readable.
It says 10,55,48
